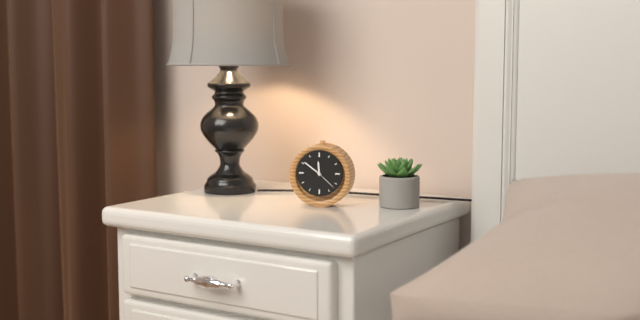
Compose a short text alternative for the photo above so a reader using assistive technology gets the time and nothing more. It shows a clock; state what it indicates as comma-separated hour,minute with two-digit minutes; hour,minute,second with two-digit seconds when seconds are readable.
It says 11,51
